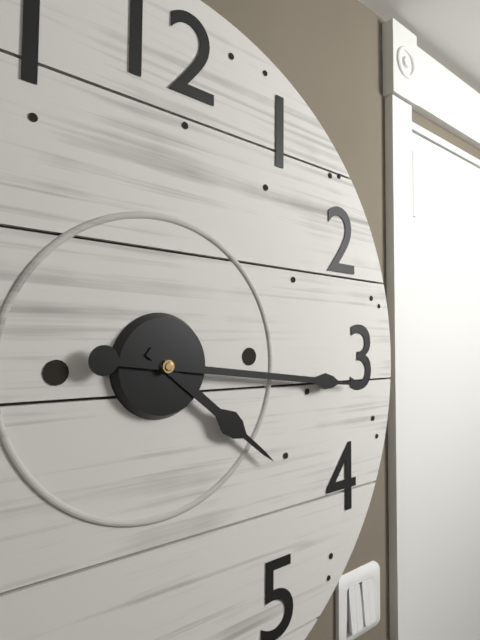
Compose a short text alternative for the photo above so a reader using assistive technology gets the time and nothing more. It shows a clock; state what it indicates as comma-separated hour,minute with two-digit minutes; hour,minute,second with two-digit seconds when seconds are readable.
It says 4,16
